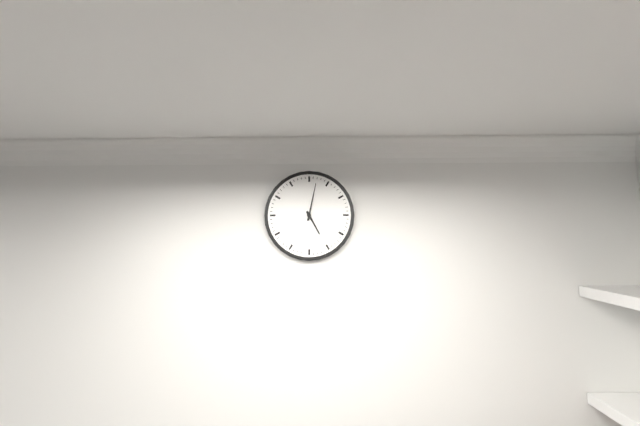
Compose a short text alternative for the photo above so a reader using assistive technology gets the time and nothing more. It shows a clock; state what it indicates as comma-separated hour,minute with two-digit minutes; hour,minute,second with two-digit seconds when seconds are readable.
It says 5,02
